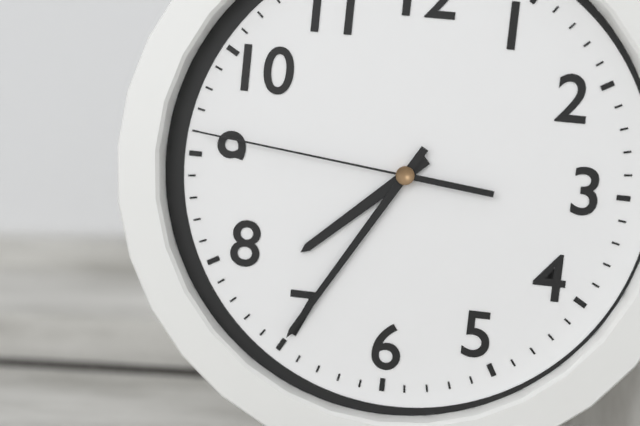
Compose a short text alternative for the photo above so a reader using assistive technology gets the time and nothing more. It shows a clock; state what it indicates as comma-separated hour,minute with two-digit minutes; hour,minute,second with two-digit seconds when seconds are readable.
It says 7,35,46
